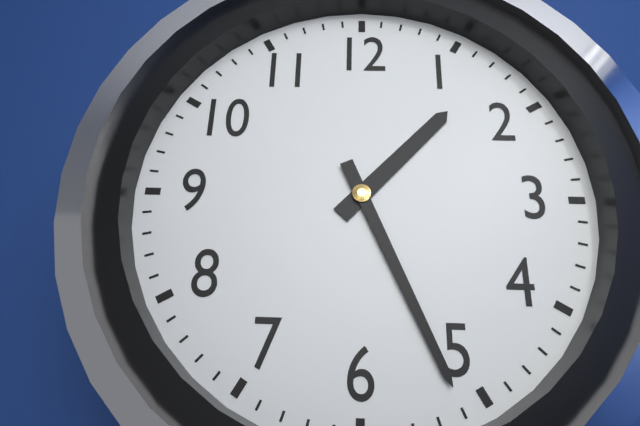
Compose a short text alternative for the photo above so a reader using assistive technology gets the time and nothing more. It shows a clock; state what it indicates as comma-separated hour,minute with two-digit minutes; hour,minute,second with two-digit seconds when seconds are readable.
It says 1,26
